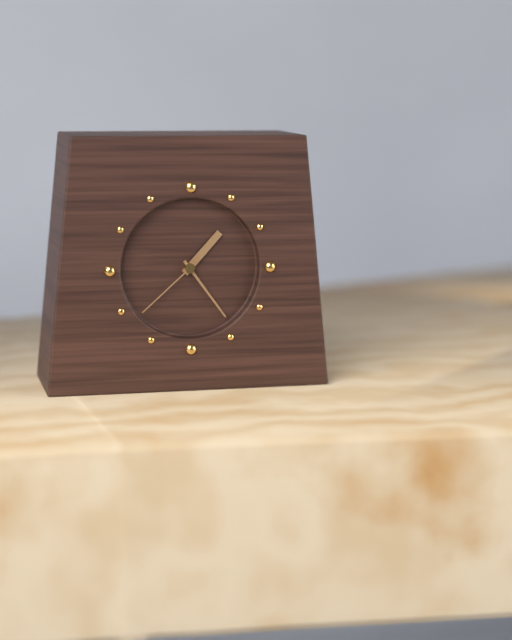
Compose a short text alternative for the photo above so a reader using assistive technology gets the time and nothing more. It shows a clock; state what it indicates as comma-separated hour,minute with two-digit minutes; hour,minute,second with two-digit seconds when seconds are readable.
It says 1,24,38
